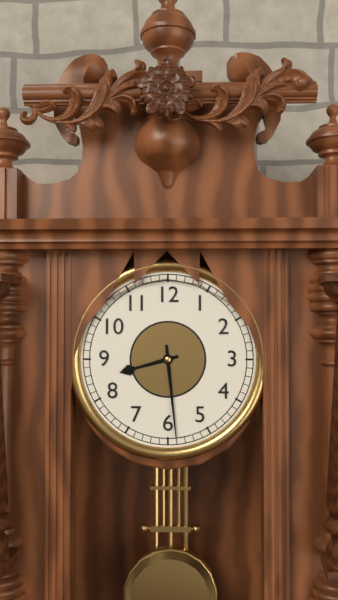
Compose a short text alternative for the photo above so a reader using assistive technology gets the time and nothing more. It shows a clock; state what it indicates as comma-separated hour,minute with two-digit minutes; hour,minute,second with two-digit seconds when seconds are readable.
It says 8,29
